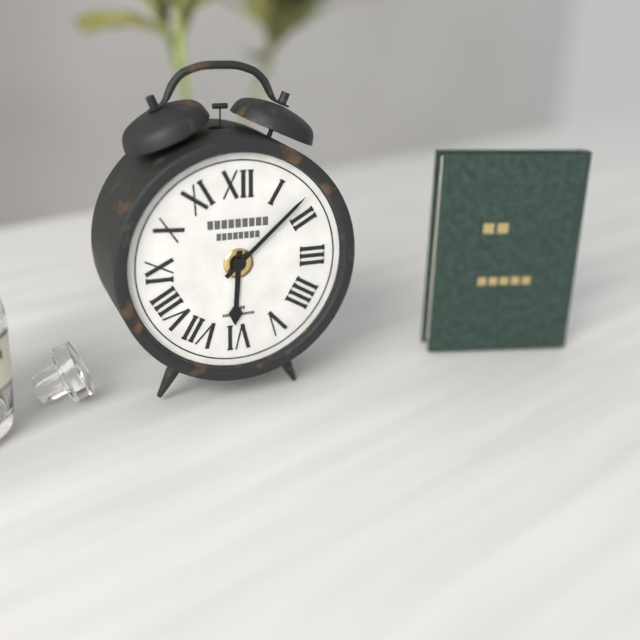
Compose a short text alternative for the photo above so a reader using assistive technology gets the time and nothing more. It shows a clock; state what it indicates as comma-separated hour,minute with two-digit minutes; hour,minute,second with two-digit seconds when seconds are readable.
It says 6,08
